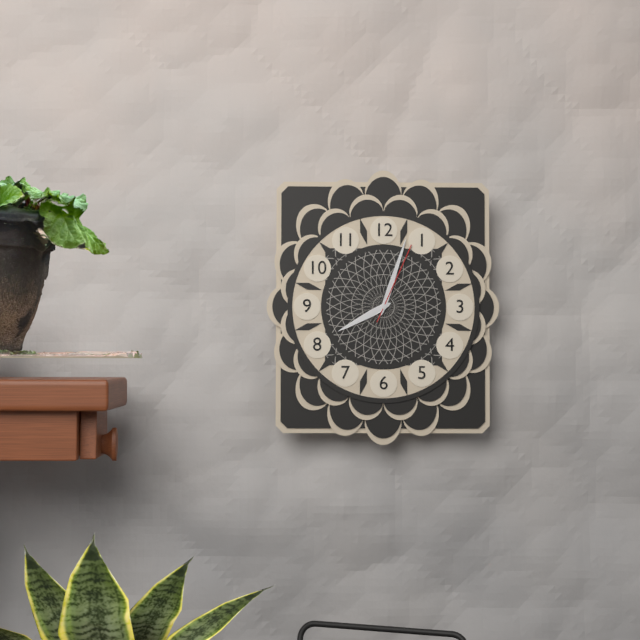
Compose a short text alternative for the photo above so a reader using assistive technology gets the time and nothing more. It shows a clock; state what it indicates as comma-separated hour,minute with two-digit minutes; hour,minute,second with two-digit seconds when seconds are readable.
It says 8,03,04
